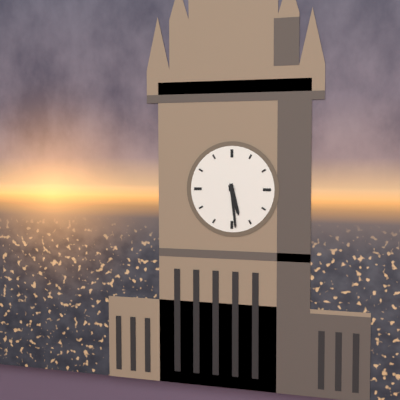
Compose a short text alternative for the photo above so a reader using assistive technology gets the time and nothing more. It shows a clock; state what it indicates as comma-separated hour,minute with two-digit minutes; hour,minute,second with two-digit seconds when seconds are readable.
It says 5,29
